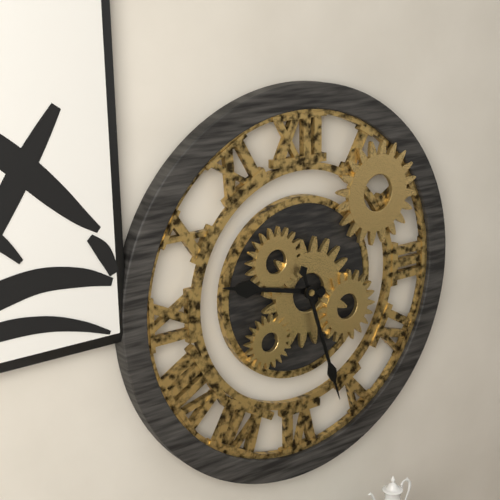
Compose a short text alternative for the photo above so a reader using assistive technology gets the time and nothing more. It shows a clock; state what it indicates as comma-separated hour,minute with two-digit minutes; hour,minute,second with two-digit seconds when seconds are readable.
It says 9,27
